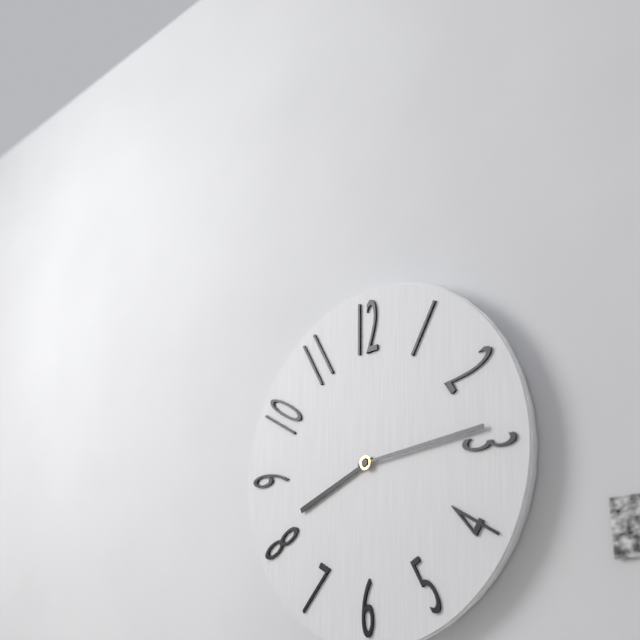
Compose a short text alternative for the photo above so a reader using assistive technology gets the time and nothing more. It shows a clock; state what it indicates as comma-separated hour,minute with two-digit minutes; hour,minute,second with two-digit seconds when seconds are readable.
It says 8,14
